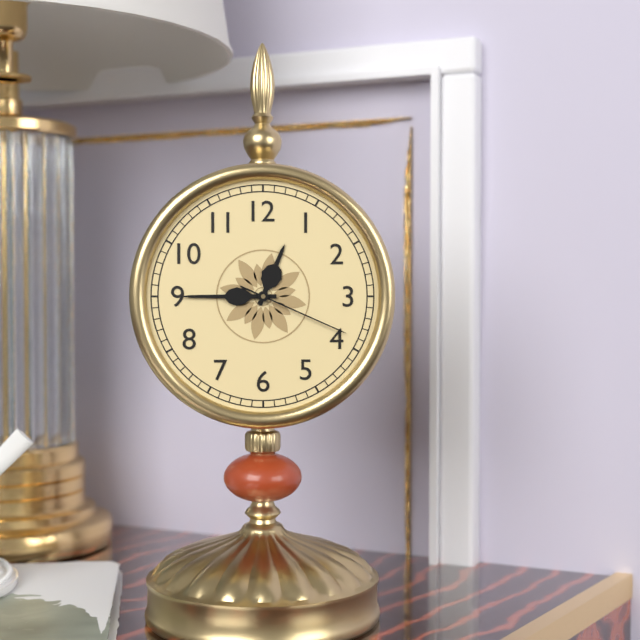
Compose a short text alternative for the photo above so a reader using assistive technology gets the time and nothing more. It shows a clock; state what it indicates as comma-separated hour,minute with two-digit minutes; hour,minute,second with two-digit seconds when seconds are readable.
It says 12,45,19
